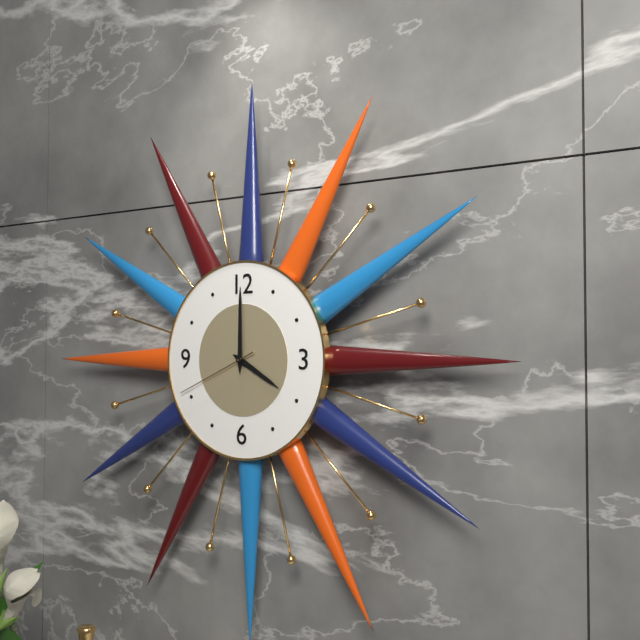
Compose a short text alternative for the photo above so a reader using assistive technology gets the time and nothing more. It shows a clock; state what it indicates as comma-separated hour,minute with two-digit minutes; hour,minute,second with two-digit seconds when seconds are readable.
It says 4,00,41
